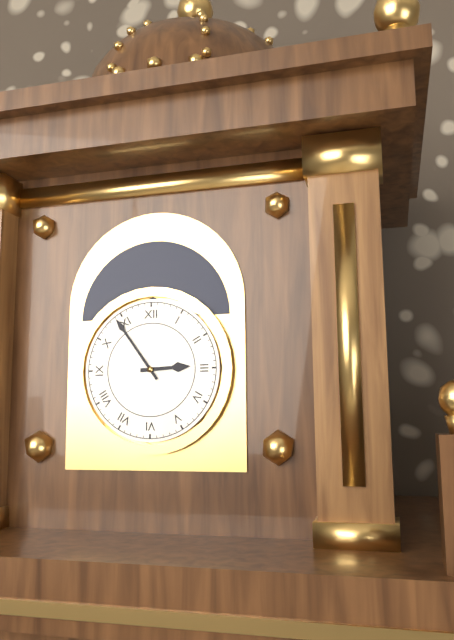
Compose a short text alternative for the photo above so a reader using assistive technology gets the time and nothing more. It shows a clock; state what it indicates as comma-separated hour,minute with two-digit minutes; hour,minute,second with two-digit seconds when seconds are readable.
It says 2,54
